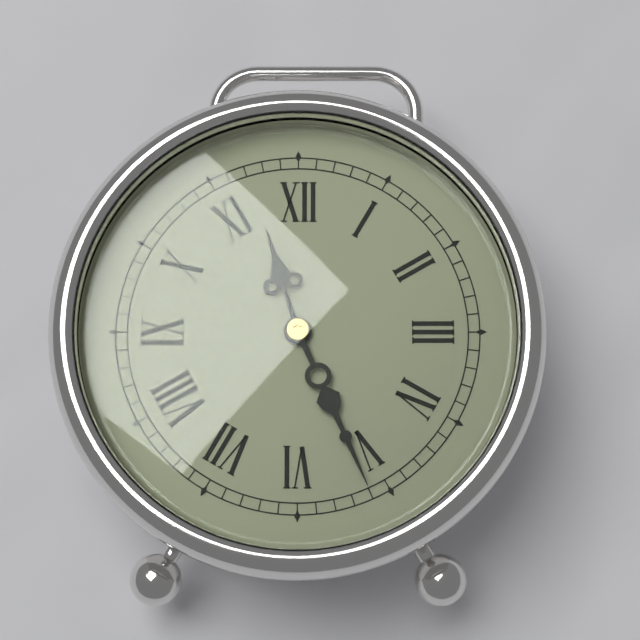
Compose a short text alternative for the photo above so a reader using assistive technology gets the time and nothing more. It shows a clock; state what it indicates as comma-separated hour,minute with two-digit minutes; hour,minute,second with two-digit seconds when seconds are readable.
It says 11,26
